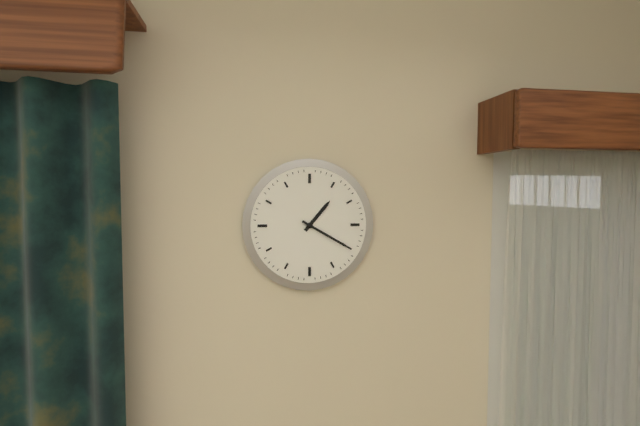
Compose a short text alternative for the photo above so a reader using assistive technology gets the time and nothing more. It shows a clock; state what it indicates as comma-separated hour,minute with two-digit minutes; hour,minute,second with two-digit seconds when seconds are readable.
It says 1,20
